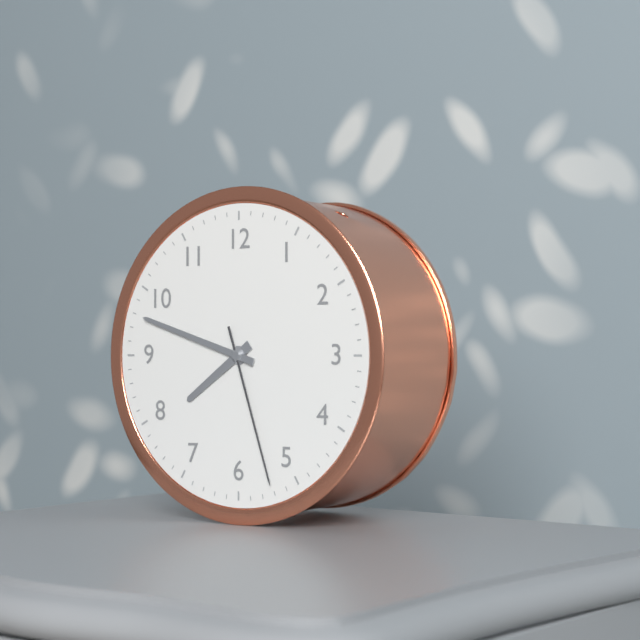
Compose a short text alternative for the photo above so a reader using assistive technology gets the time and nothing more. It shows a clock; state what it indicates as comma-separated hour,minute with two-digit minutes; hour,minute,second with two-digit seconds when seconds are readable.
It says 7,48,27
